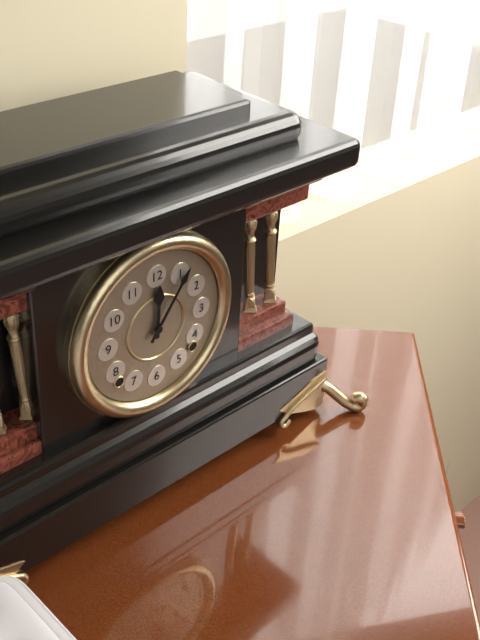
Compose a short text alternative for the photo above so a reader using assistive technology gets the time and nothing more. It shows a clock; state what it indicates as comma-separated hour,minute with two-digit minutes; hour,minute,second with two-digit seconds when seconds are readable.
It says 12,06
